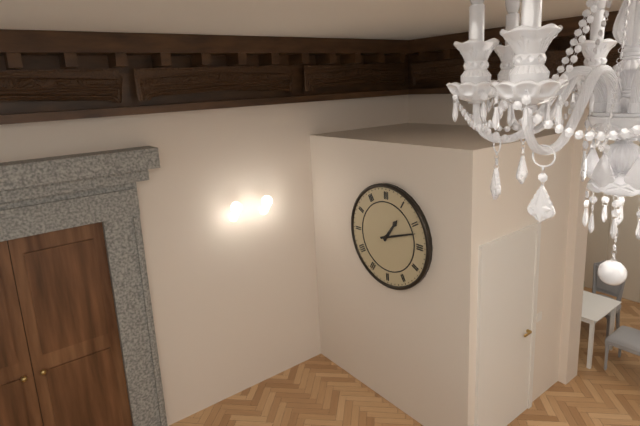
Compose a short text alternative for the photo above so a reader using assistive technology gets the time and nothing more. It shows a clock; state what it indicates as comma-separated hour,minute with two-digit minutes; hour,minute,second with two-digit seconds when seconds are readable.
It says 1,12
